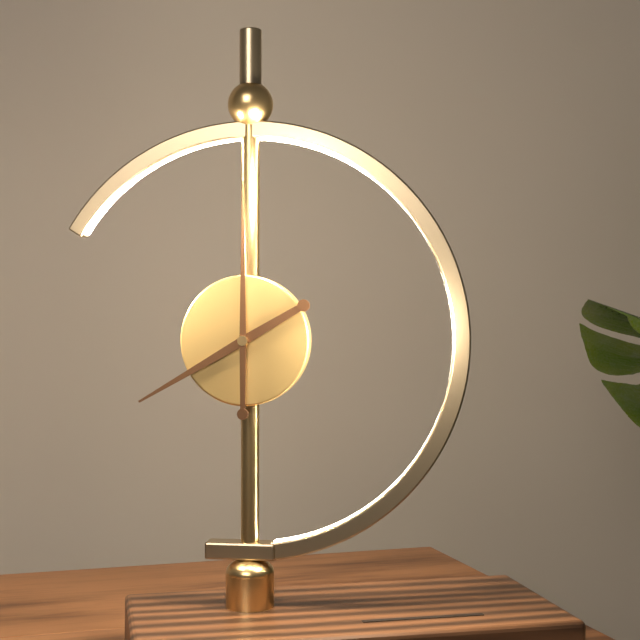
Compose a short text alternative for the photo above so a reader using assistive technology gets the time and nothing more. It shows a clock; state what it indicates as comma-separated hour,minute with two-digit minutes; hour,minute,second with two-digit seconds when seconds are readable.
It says 8,00
